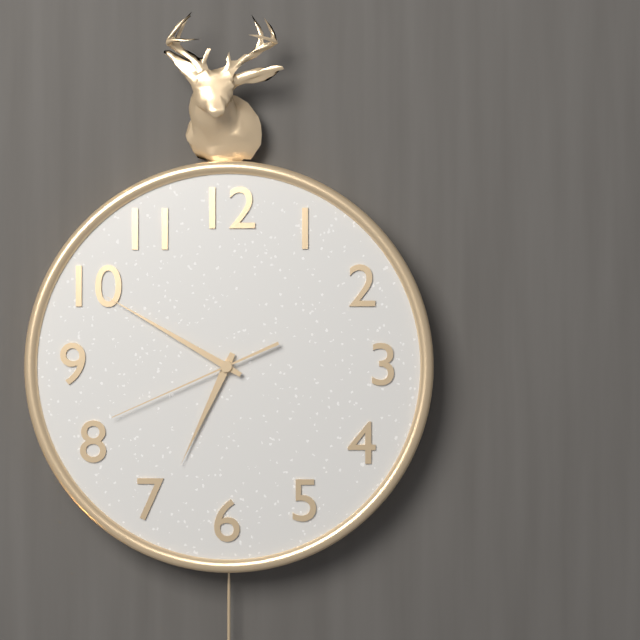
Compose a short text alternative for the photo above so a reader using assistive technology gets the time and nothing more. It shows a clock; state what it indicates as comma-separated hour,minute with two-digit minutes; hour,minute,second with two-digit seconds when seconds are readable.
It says 6,50,41
